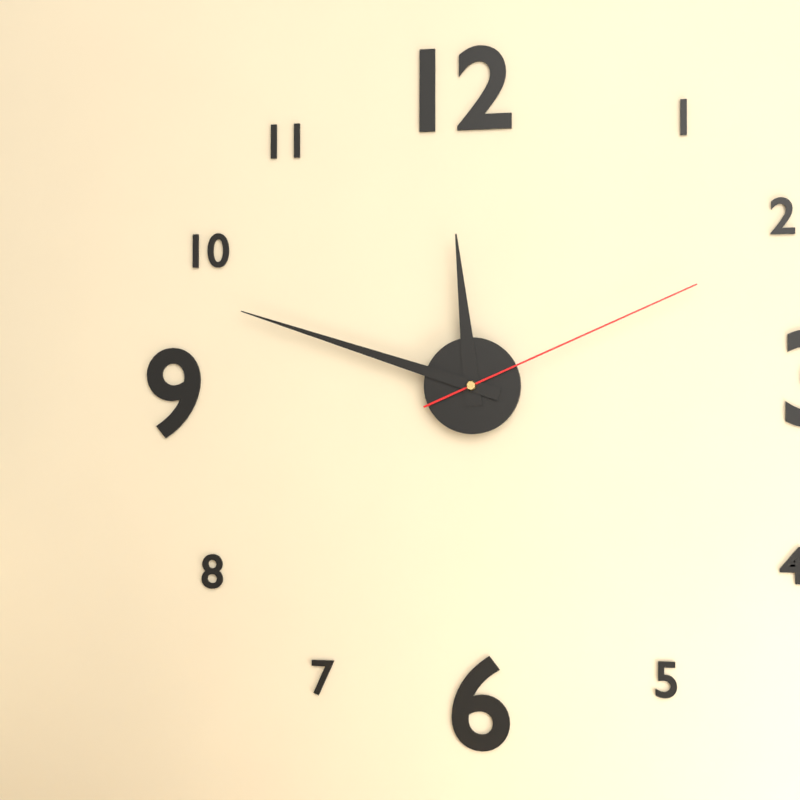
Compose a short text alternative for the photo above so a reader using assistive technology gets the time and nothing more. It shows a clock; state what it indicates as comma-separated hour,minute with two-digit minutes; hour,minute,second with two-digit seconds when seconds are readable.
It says 11,48,11
